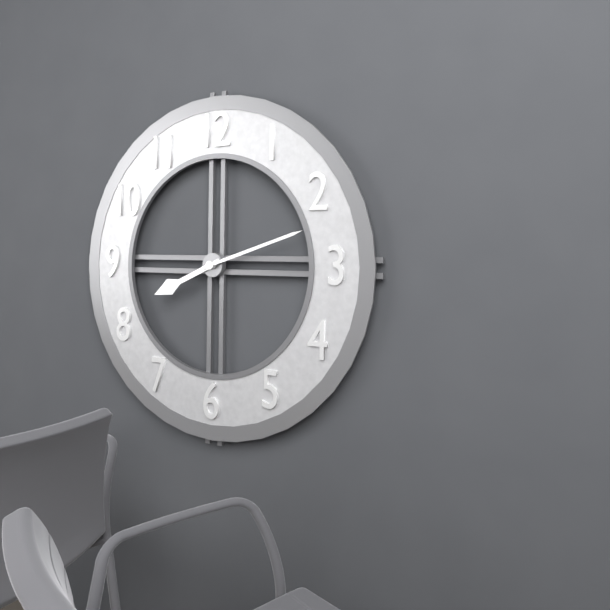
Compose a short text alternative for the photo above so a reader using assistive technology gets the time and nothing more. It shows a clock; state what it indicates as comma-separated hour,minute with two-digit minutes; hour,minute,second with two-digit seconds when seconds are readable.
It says 8,12
